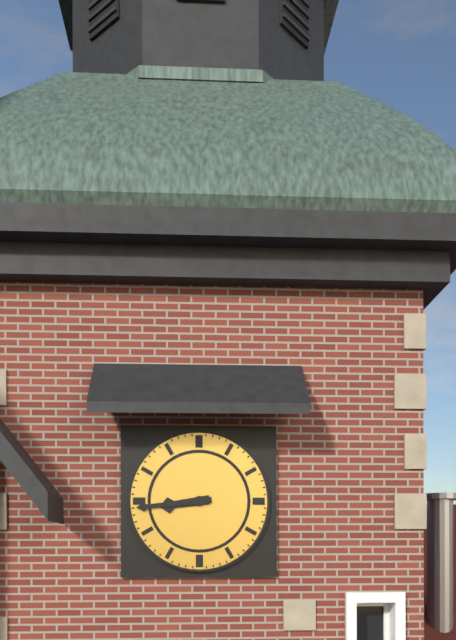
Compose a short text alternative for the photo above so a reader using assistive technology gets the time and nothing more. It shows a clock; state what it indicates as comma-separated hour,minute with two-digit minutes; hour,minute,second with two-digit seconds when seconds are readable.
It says 8,44
